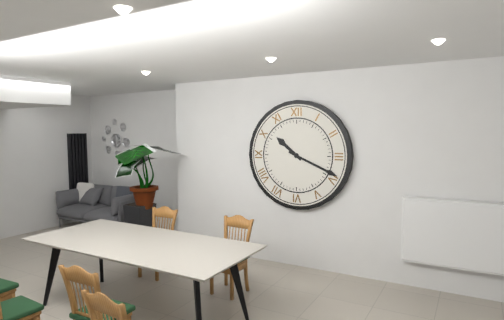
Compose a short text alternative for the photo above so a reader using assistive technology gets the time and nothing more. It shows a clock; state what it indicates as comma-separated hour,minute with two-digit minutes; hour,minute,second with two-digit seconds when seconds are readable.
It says 10,19
